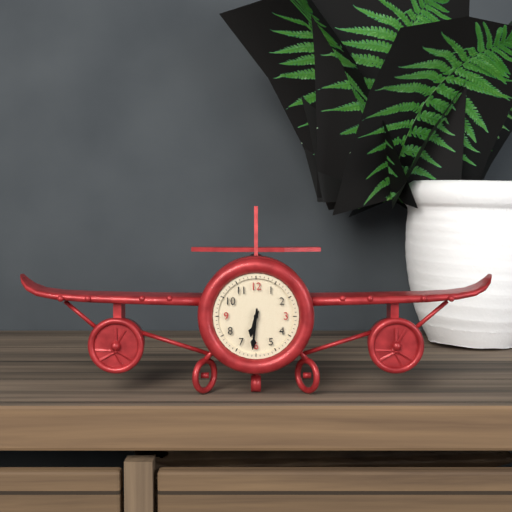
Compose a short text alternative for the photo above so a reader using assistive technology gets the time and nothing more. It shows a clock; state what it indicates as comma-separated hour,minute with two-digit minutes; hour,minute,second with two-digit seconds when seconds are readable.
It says 6,31
